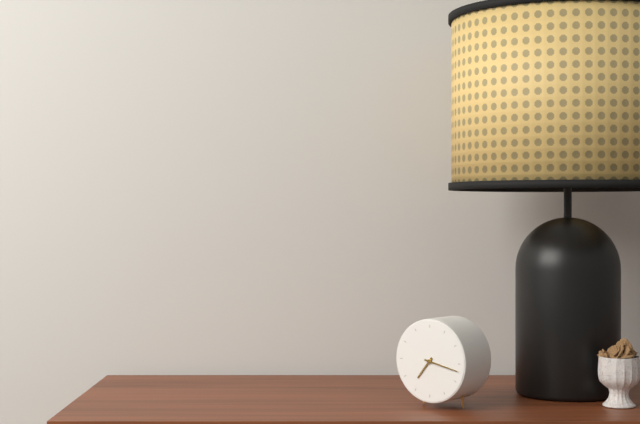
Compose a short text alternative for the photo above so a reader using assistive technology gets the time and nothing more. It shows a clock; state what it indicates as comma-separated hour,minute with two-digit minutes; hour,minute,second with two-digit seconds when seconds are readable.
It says 7,17
